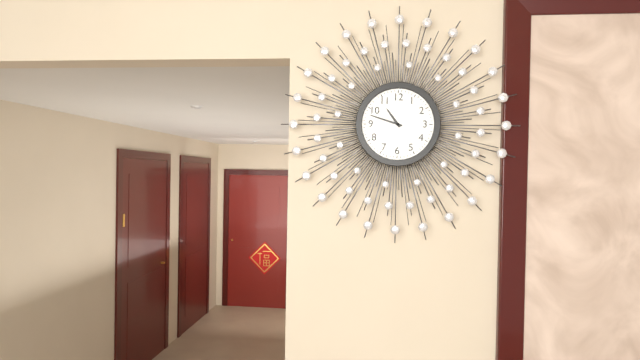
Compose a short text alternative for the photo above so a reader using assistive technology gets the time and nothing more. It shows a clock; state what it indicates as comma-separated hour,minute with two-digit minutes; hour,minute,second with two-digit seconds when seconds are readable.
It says 10,48
